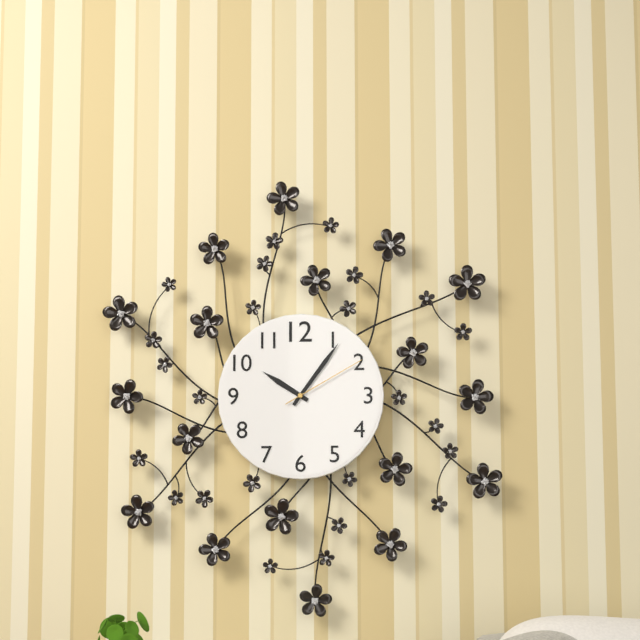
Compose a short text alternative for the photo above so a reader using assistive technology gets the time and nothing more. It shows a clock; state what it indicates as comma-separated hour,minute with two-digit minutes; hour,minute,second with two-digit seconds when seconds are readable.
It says 10,06,10
